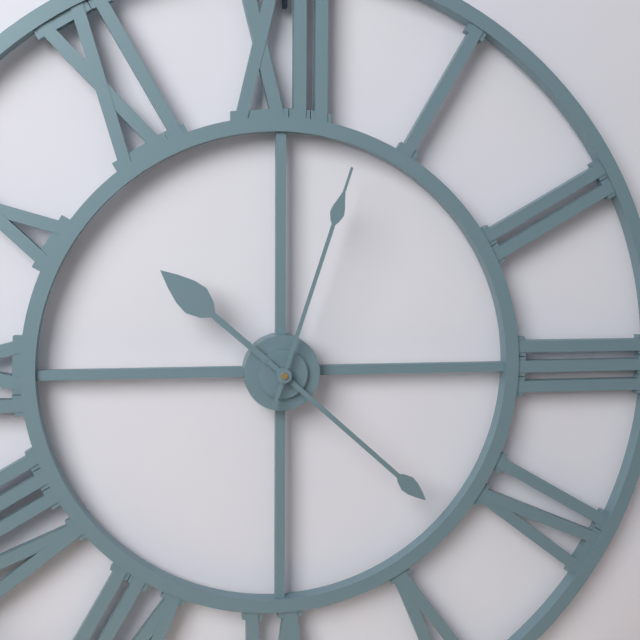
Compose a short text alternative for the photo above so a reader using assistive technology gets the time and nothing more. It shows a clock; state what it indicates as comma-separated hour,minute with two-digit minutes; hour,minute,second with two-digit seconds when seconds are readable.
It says 10,22,03
